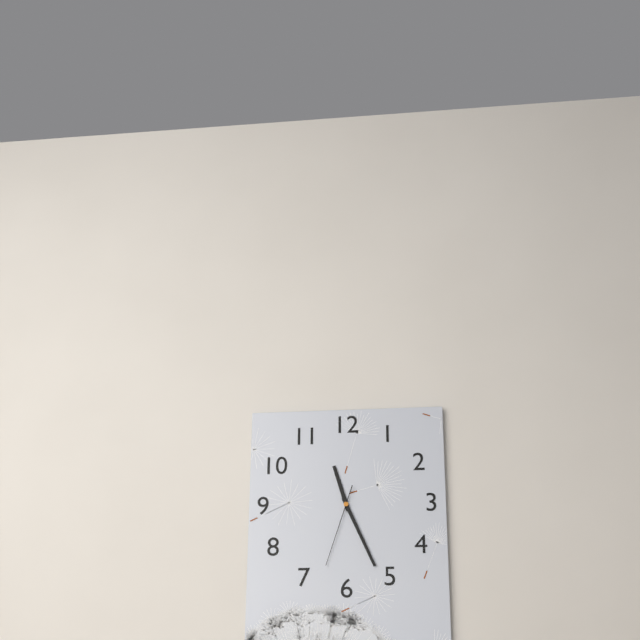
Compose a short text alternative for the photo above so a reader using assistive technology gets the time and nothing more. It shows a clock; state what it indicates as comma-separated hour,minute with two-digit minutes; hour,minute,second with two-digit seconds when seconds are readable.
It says 11,26,33
